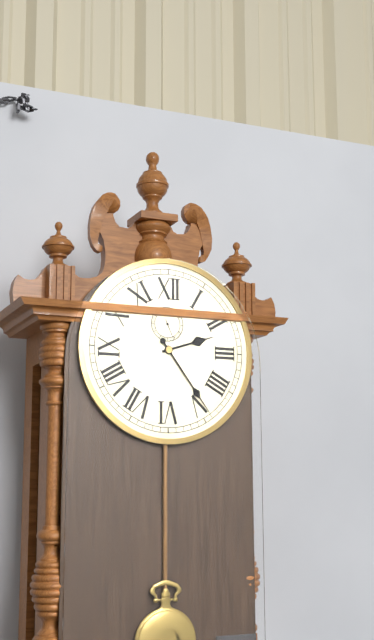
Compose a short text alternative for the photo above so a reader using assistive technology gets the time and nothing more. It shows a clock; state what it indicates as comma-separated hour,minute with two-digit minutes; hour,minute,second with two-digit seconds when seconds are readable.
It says 2,24
